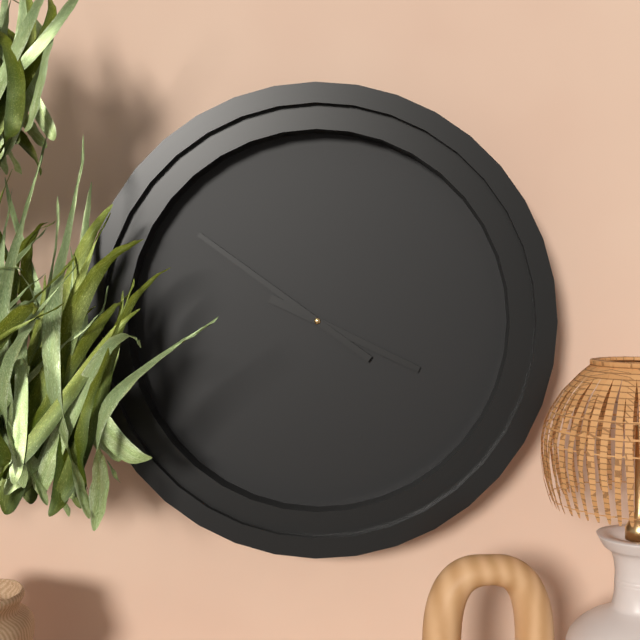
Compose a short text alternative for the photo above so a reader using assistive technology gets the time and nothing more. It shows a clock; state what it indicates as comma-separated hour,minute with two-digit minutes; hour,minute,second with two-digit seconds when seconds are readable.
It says 3,51
